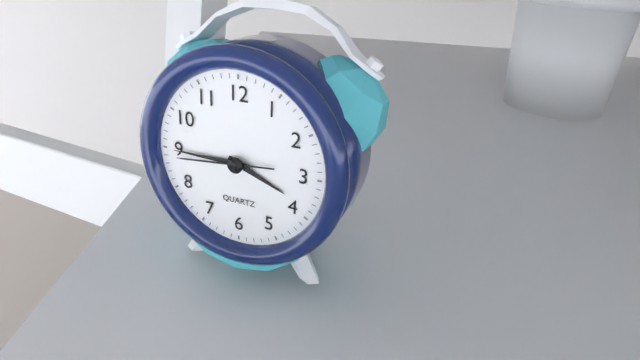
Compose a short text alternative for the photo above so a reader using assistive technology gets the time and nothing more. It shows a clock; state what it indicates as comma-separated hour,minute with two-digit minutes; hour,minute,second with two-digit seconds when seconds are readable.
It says 3,45,44
